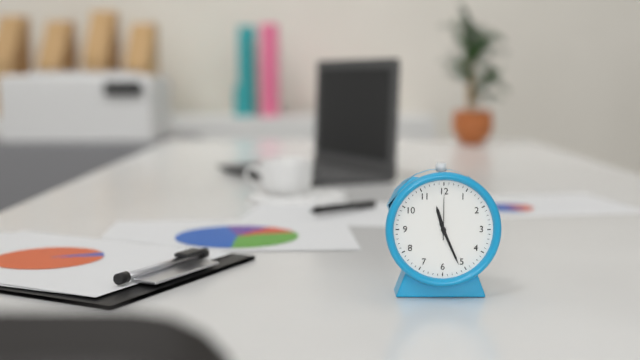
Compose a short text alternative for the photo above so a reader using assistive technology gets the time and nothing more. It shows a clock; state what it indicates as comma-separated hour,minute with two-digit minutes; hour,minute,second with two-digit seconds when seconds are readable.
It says 11,26
